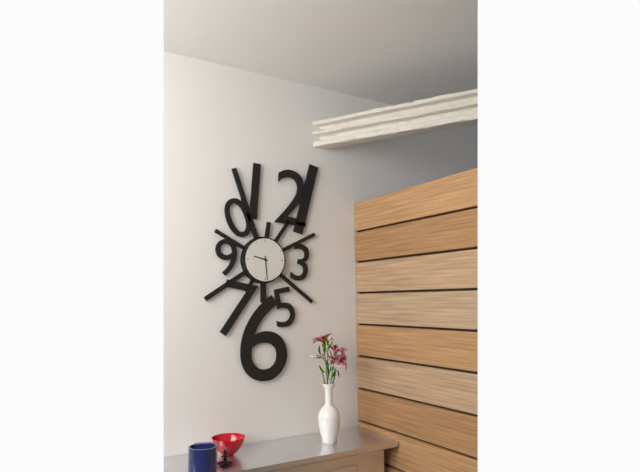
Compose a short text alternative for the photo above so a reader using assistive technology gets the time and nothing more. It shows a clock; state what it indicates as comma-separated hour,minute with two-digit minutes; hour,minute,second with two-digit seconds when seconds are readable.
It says 9,29
